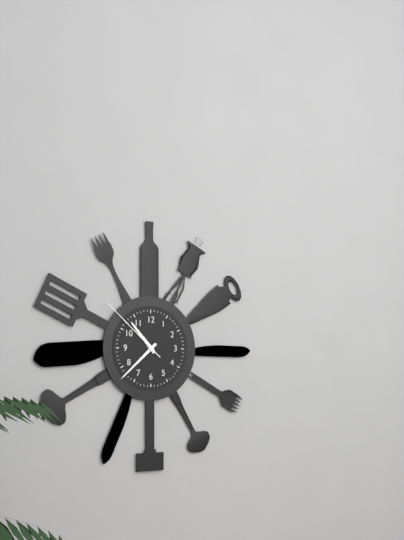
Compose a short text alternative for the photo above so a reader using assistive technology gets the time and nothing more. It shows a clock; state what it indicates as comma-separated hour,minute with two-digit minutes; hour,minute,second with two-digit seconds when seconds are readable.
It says 10,38,52
